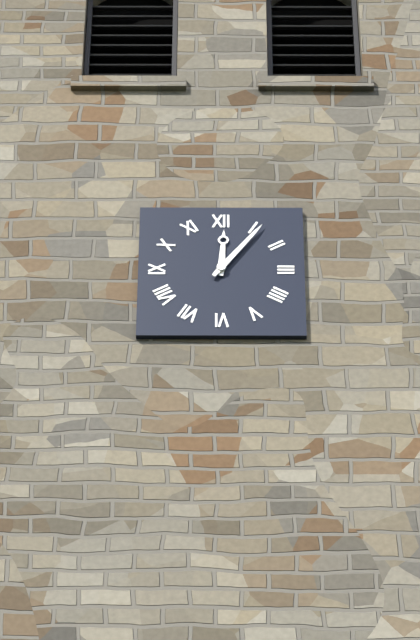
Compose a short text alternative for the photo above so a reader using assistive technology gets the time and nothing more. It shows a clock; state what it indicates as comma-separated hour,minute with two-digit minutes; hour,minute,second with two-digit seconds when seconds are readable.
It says 12,06
